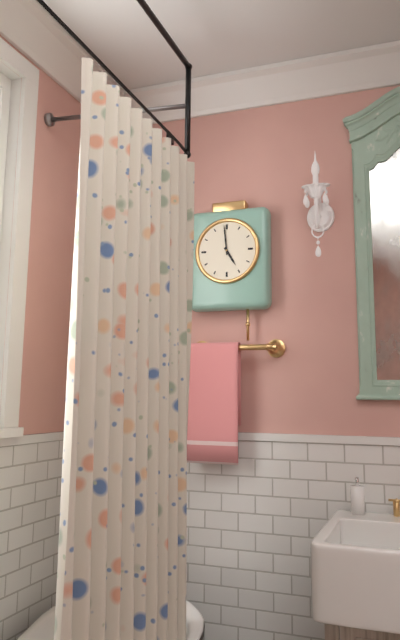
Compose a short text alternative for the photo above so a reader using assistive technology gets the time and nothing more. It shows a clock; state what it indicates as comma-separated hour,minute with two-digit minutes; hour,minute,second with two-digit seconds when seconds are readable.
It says 4,59
